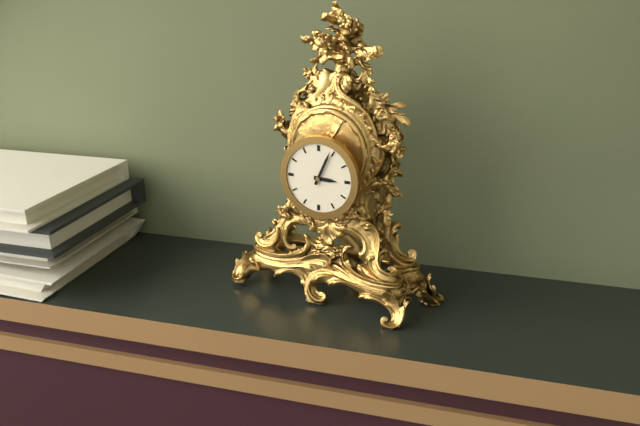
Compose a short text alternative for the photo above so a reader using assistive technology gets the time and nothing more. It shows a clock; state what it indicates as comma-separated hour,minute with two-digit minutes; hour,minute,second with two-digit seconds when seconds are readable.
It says 3,04
